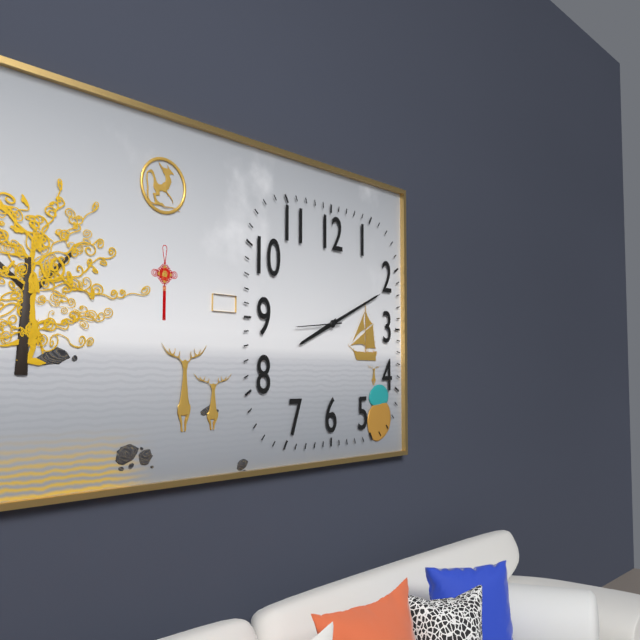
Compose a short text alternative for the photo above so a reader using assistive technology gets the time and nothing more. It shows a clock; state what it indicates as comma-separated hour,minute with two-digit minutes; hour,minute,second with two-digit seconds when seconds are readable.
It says 8,11
